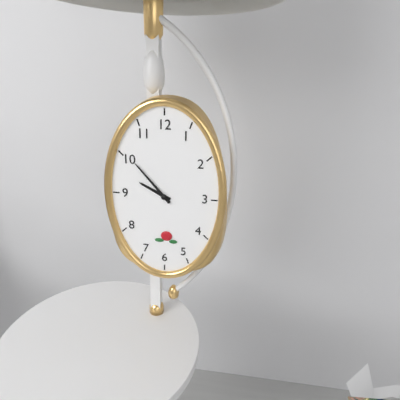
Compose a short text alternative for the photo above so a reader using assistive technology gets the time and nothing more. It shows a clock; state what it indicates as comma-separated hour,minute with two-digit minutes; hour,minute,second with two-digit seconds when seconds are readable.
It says 9,53
